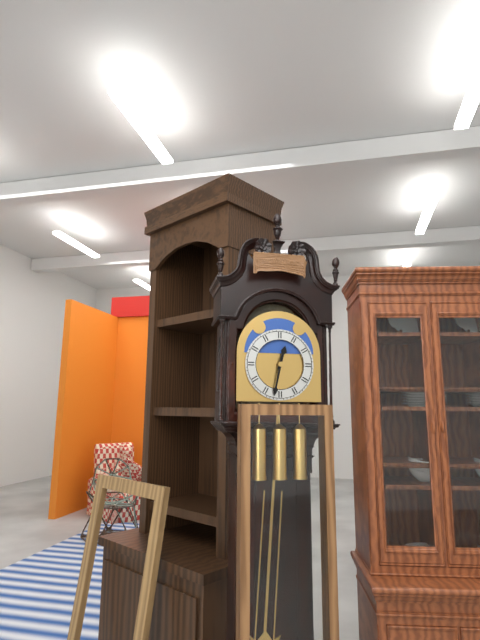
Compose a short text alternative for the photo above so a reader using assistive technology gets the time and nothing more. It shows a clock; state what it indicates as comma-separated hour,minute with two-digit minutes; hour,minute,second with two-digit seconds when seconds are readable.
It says 12,32
